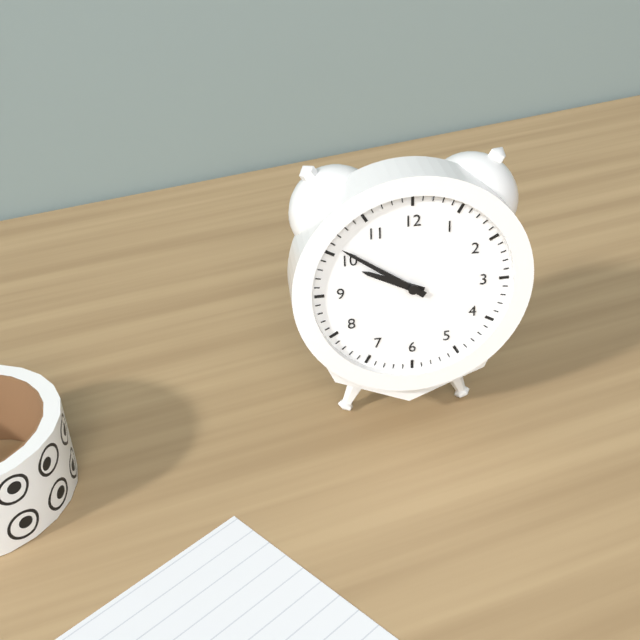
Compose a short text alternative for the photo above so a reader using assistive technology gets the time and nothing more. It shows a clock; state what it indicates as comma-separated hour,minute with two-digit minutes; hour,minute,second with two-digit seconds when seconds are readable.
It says 9,51
